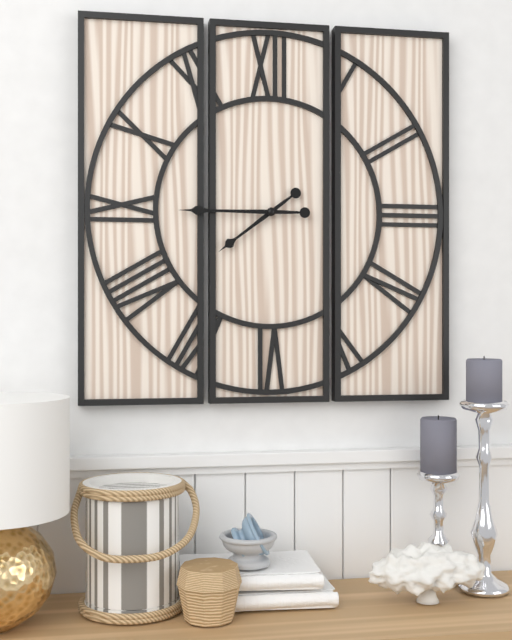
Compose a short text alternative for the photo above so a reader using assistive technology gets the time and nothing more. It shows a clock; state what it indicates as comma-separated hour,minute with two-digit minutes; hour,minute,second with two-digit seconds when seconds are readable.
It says 7,45
